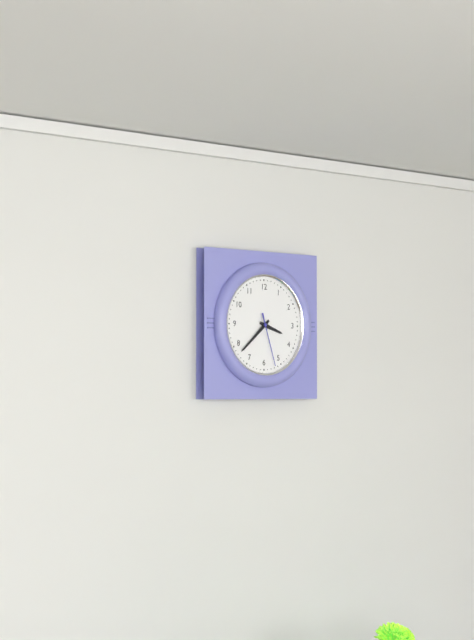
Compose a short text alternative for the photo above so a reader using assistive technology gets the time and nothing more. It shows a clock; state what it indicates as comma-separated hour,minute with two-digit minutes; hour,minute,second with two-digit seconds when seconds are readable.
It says 3,38,27
